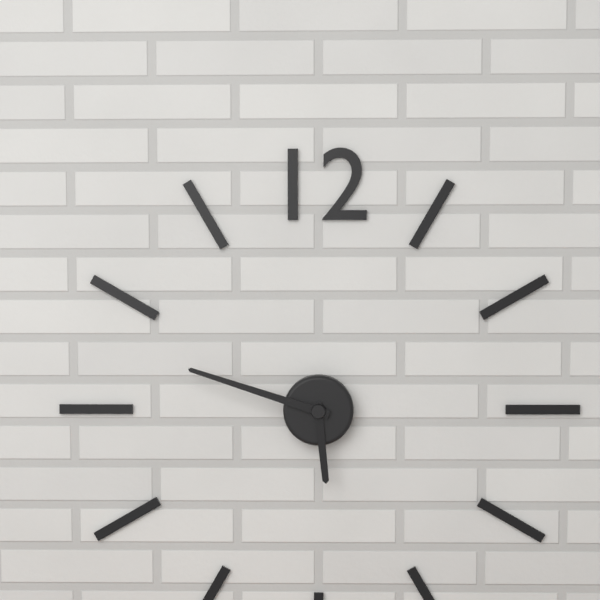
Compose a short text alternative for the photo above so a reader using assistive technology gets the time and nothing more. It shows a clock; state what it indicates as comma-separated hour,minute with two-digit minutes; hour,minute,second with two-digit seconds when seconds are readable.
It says 5,48
